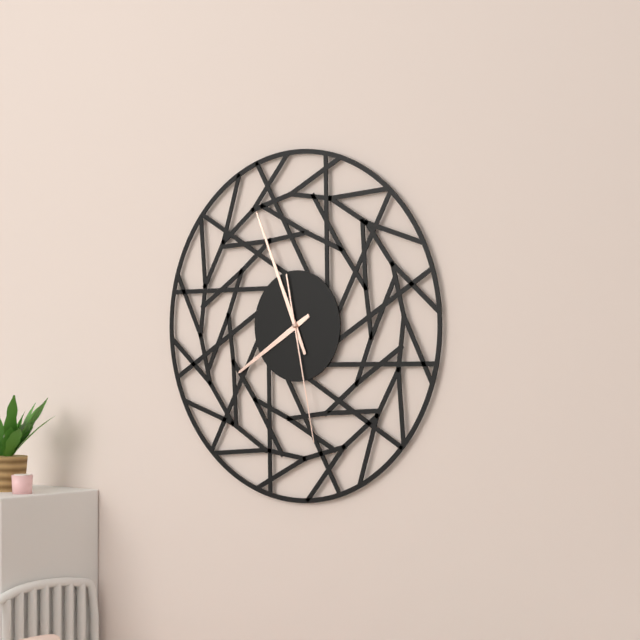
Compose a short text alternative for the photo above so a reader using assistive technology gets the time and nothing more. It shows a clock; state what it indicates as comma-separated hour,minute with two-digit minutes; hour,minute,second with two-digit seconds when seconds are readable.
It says 7,56,28
